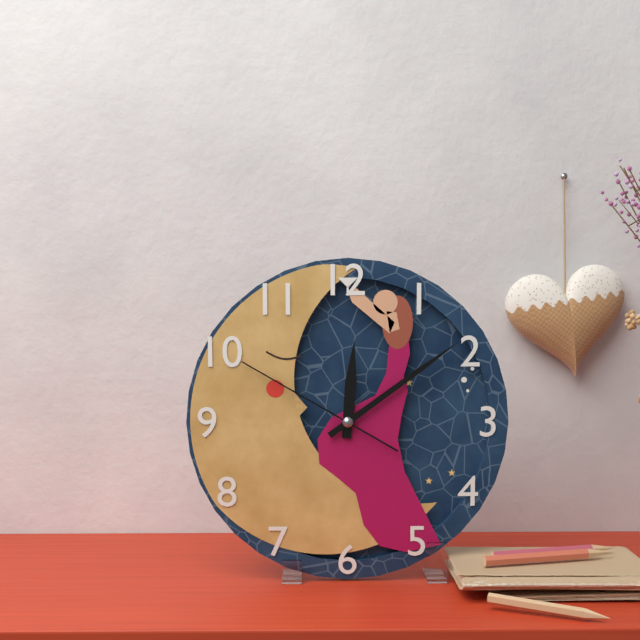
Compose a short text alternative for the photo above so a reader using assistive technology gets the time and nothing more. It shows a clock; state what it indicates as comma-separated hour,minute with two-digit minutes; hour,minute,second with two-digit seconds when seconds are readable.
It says 12,09,50
